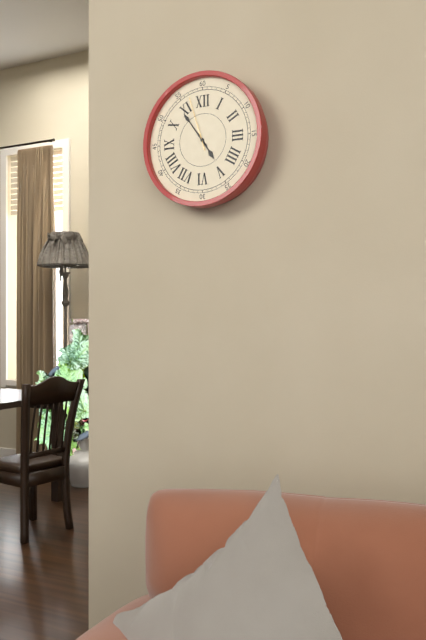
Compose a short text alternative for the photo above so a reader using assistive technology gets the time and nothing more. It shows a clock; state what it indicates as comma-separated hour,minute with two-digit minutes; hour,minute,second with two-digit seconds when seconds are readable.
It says 4,54,57
